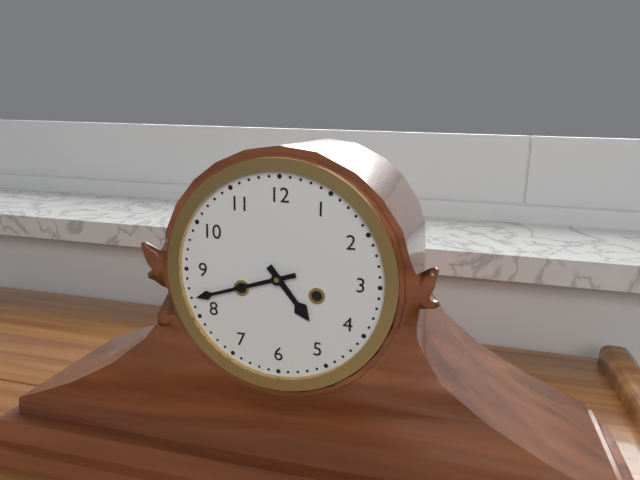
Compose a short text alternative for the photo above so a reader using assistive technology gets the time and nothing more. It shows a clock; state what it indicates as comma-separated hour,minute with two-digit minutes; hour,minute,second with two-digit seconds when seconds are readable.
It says 4,42
